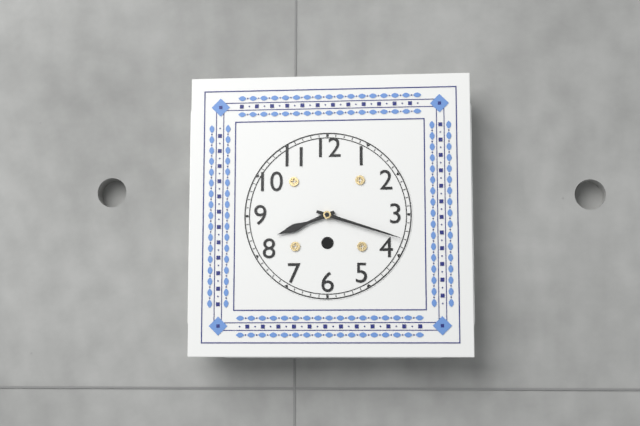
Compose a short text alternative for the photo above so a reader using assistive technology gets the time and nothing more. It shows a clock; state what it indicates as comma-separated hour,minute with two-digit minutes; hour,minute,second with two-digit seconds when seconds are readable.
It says 8,18
